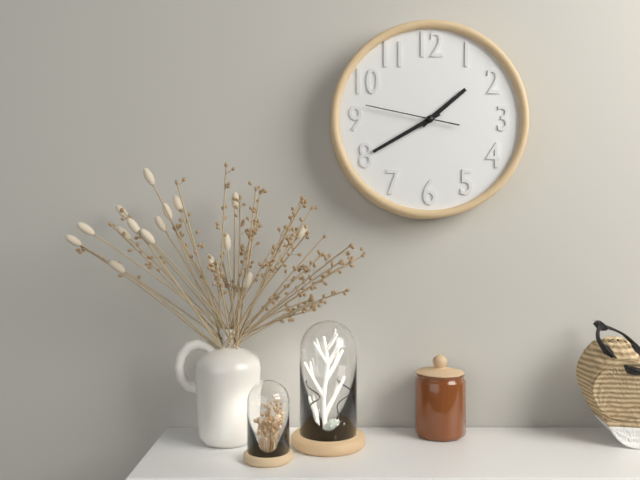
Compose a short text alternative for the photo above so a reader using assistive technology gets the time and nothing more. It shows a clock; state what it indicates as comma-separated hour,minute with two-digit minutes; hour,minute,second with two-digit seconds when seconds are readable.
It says 1,40,47
